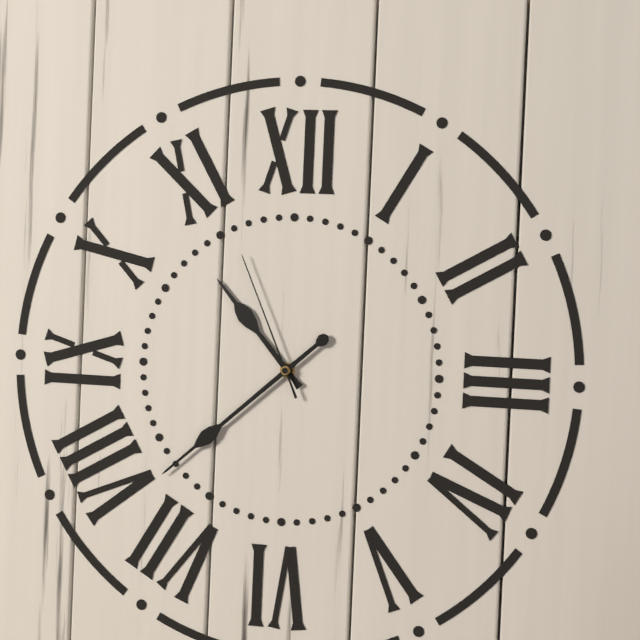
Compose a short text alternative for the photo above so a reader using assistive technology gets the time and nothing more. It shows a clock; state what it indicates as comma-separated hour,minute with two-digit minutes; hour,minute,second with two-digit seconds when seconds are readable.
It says 10,38,56
